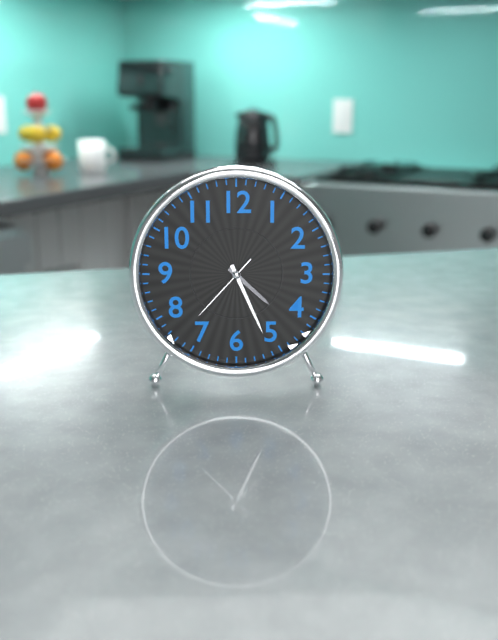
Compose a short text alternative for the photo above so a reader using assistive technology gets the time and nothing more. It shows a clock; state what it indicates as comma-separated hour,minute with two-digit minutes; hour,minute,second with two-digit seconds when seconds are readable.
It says 4,26,37
